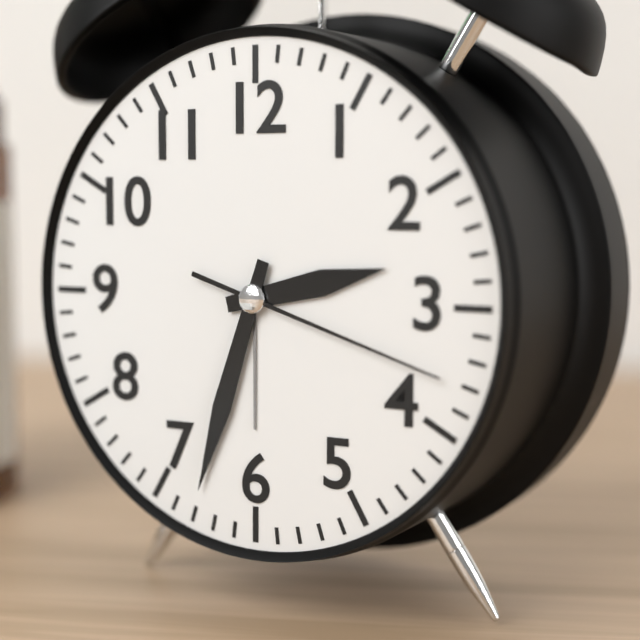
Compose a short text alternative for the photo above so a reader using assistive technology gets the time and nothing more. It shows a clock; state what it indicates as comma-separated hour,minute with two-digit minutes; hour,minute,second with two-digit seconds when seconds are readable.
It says 2,33,18
